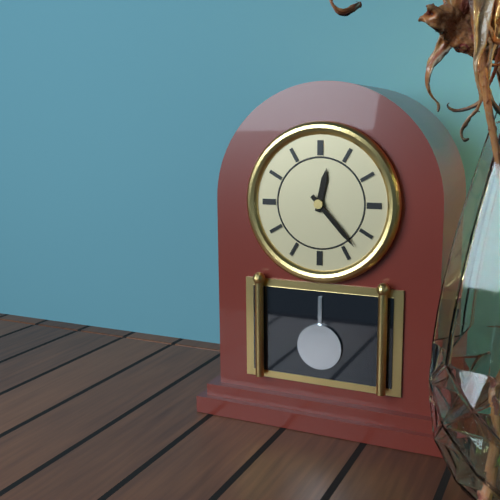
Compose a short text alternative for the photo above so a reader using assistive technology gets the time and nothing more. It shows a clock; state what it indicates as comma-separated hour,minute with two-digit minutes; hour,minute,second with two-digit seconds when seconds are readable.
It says 12,23
